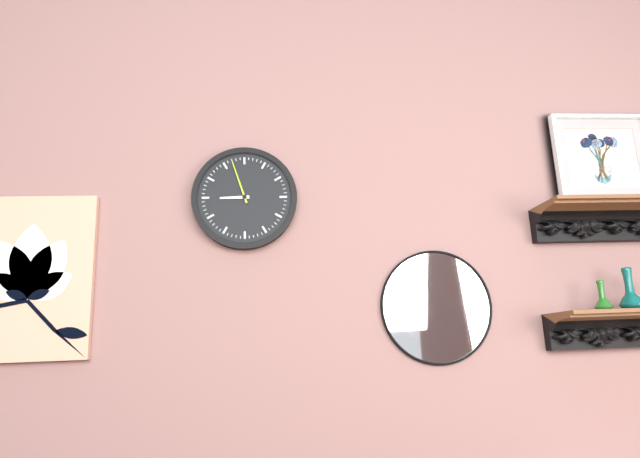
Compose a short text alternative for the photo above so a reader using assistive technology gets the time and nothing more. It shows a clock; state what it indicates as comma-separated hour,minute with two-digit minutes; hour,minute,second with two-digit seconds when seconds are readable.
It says 8,57
